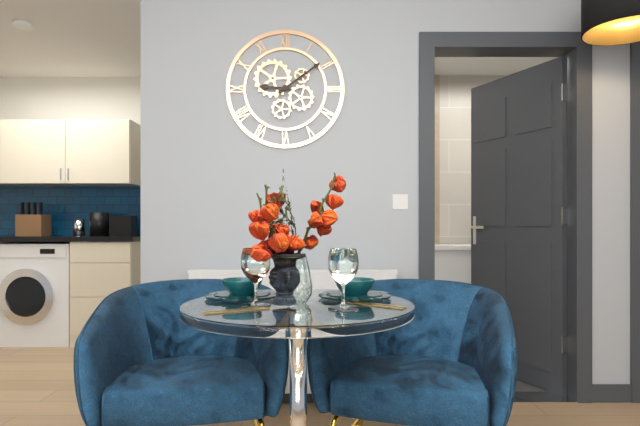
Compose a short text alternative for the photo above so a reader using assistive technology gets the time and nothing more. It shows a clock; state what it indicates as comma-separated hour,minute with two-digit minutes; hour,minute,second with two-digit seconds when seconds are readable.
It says 9,09
